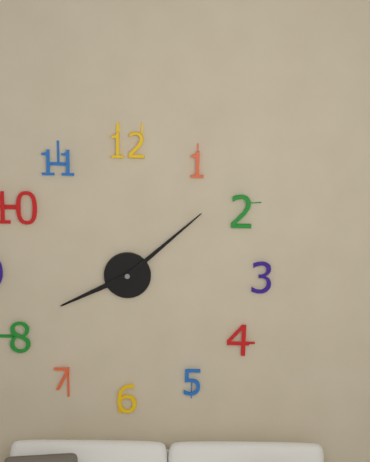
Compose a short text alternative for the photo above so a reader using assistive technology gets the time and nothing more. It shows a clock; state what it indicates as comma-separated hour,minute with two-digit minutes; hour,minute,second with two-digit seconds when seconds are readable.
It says 8,08
